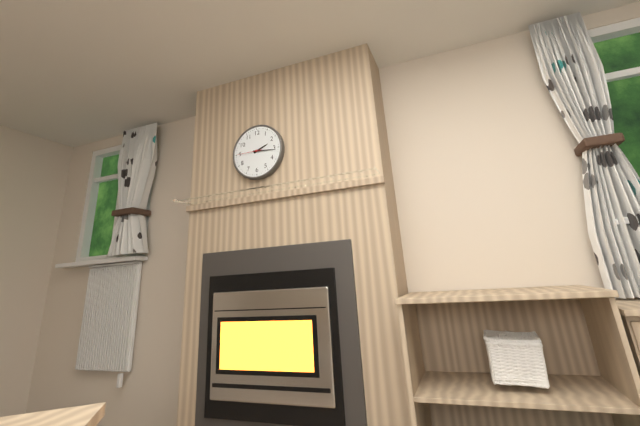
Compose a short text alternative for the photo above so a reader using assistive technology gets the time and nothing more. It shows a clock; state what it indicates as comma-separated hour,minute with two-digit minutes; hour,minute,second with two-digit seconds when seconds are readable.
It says 2,16
